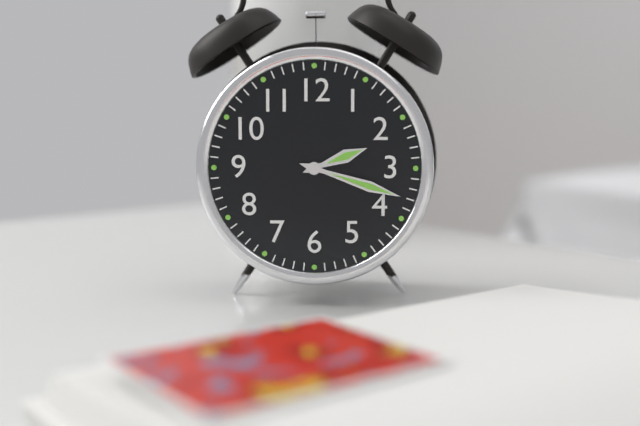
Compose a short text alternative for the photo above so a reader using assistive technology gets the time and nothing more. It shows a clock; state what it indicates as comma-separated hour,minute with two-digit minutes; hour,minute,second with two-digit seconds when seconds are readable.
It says 2,18
